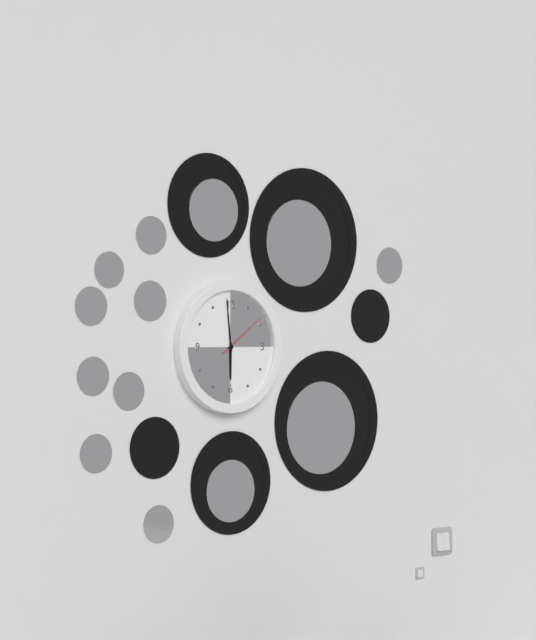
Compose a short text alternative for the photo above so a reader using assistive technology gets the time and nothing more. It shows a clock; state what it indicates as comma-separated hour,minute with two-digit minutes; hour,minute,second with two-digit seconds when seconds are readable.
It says 5,59,09
